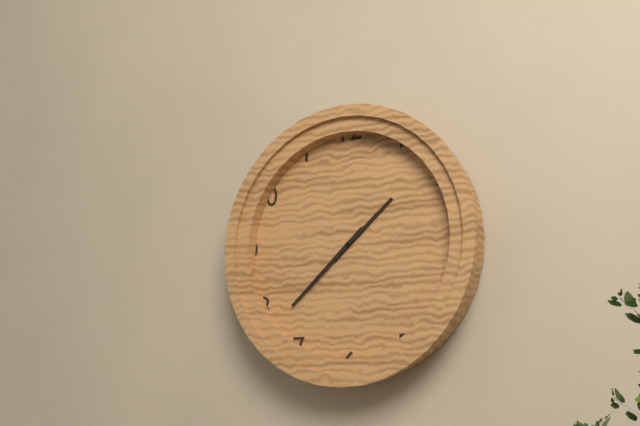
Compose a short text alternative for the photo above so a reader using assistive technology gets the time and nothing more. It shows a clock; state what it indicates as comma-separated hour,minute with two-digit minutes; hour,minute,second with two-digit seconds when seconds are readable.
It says 1,38
